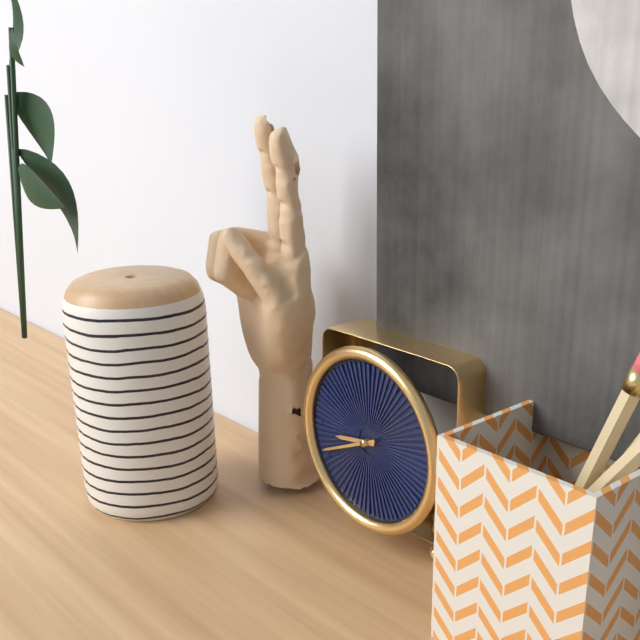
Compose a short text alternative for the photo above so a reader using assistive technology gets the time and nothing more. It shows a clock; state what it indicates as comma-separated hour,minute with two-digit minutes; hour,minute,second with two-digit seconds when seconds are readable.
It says 8,41
